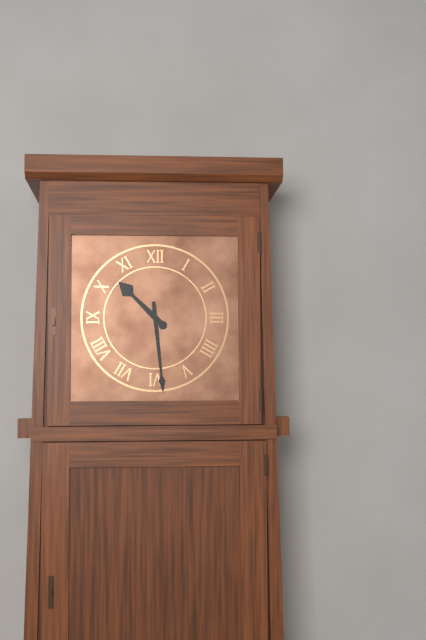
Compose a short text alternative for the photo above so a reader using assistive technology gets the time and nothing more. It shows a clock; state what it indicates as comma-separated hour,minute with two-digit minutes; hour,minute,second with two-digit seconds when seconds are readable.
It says 10,29
